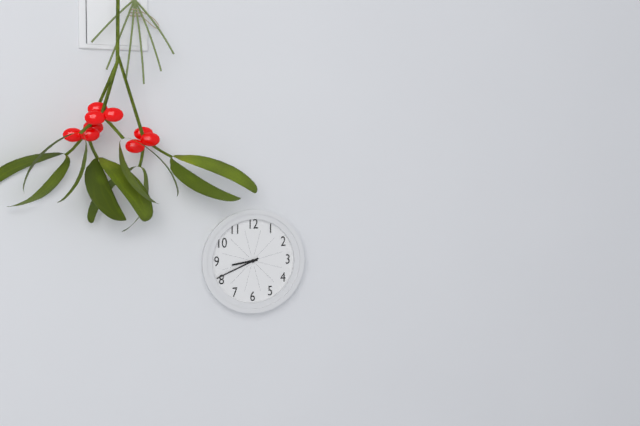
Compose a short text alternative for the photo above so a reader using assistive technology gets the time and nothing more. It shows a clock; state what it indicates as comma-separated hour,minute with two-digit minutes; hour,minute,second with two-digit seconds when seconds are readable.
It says 8,41
